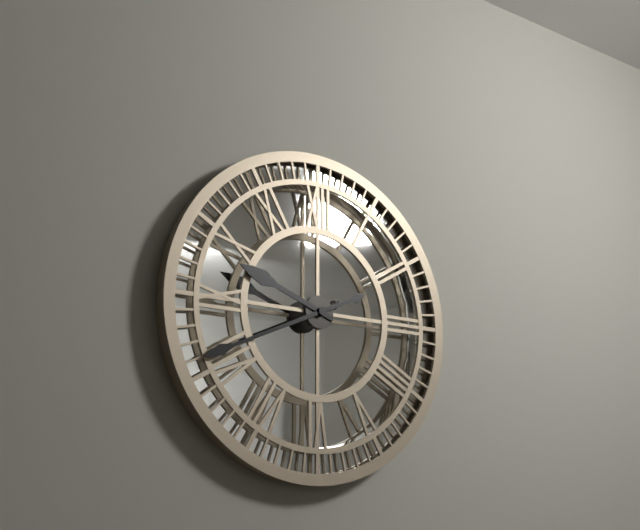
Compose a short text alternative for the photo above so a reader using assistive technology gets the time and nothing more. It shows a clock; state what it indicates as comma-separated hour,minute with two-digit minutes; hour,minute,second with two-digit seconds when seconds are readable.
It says 9,41
